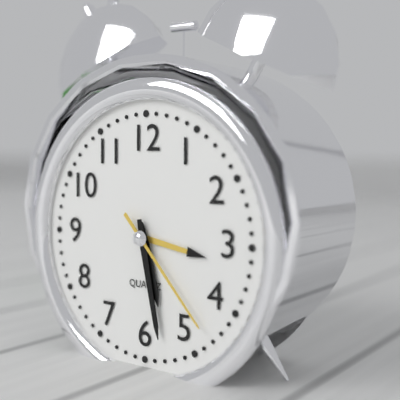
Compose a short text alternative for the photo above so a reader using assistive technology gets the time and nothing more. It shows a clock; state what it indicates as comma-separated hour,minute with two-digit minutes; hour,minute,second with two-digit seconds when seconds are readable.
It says 5,28,23
